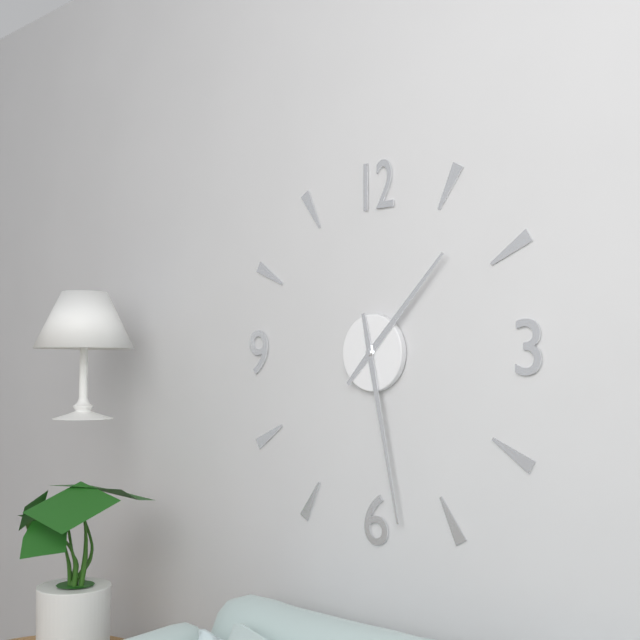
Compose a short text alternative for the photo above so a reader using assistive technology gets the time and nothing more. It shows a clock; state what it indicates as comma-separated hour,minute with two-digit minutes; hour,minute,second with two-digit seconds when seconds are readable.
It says 1,28
